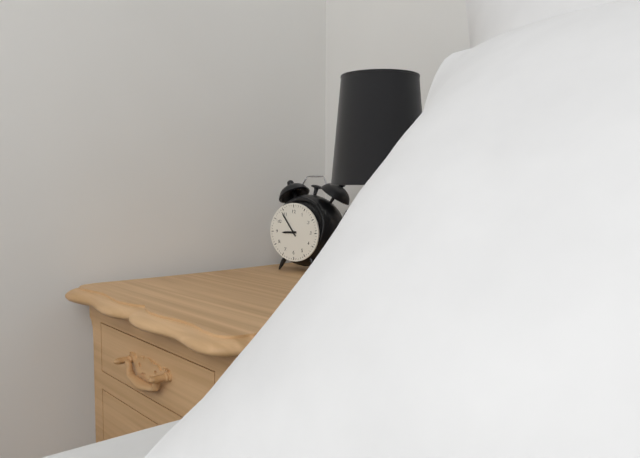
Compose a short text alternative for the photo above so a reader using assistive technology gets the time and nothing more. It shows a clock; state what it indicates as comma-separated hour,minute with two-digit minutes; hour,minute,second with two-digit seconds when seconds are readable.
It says 8,54
